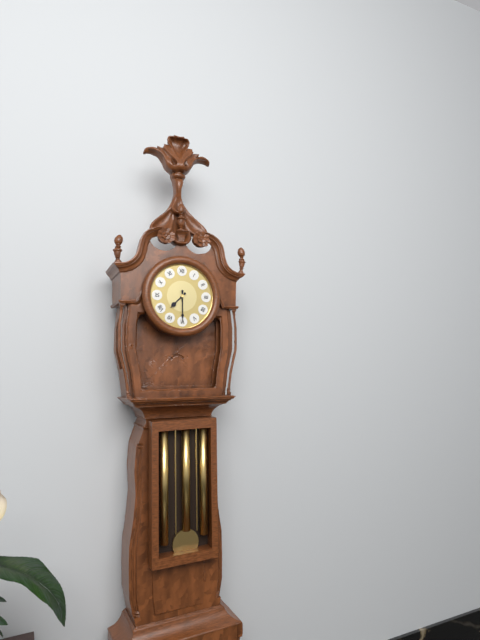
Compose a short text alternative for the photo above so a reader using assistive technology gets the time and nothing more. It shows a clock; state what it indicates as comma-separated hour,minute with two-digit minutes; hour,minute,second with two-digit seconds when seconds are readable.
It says 7,30
